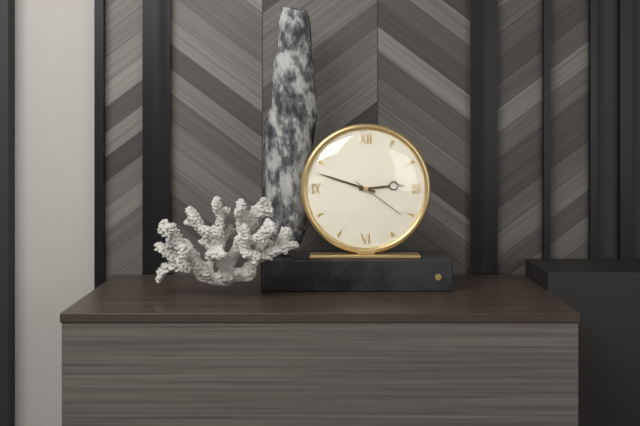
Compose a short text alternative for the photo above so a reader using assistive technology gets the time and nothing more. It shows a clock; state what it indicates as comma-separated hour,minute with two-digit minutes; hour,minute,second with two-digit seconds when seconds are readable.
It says 2,48,21
